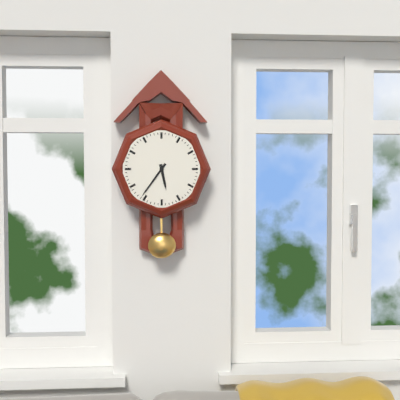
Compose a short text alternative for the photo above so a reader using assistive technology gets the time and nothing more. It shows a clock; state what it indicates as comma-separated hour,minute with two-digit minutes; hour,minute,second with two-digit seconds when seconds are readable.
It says 5,36
